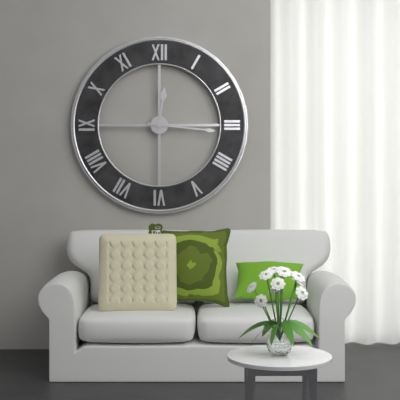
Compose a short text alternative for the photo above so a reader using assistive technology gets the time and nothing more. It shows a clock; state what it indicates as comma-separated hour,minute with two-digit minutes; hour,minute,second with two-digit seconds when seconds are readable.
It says 12,16
